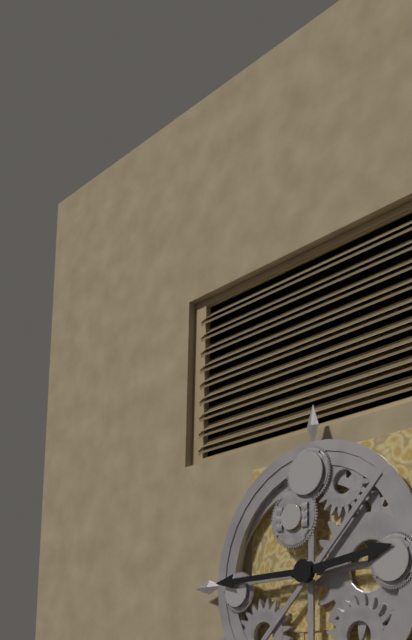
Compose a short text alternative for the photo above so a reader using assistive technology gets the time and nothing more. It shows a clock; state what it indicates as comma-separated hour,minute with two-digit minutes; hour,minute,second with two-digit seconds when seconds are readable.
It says 2,45
